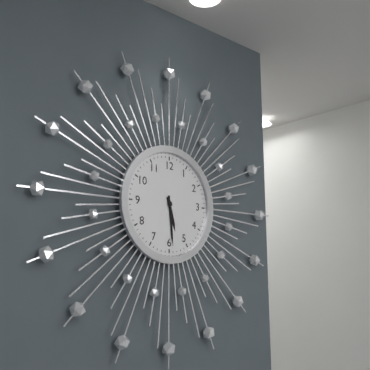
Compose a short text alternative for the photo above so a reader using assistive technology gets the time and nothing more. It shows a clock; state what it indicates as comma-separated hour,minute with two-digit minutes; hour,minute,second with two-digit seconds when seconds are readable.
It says 5,29
